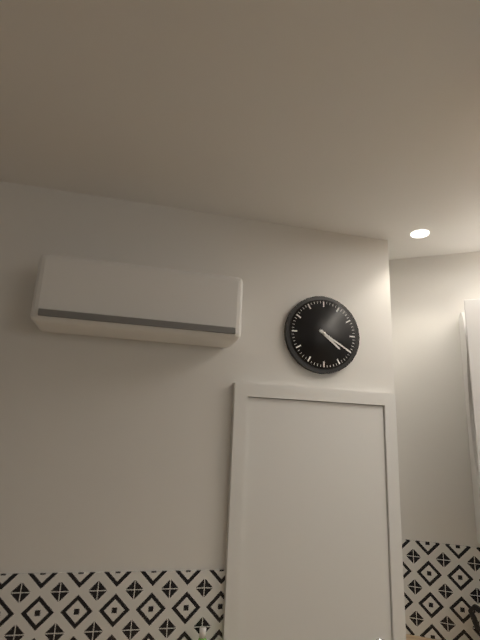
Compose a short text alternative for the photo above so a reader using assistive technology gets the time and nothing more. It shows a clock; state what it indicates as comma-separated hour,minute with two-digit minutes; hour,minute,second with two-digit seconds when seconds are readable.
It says 4,20
